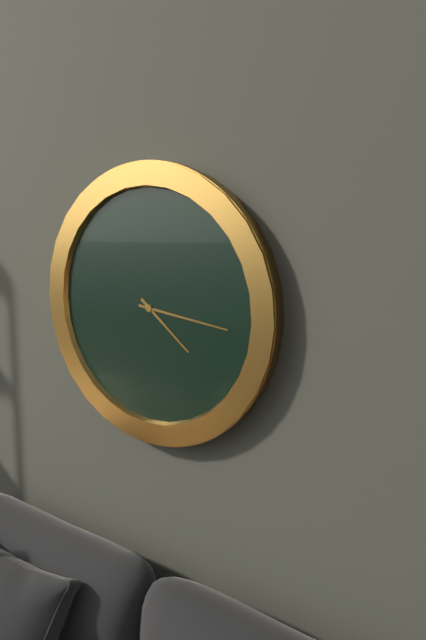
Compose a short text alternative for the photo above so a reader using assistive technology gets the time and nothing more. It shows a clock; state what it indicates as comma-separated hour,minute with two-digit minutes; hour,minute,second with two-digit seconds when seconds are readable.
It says 4,16
